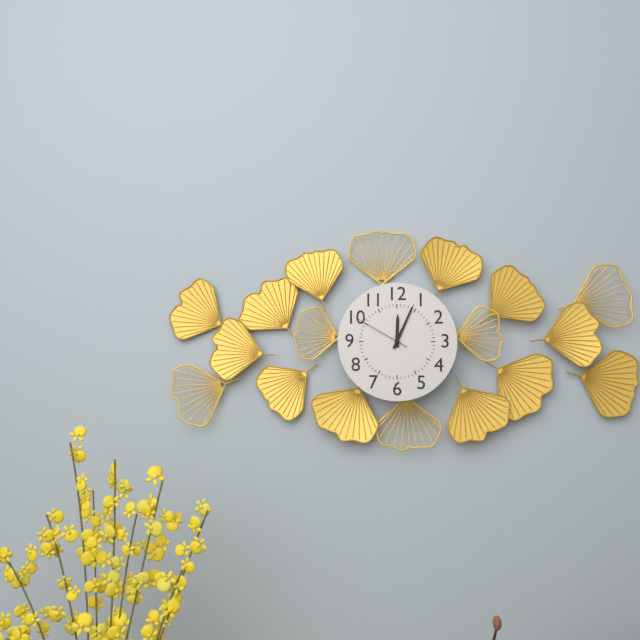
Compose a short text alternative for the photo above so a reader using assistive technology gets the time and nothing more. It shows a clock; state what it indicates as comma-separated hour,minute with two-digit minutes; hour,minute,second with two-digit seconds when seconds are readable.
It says 12,04,50
